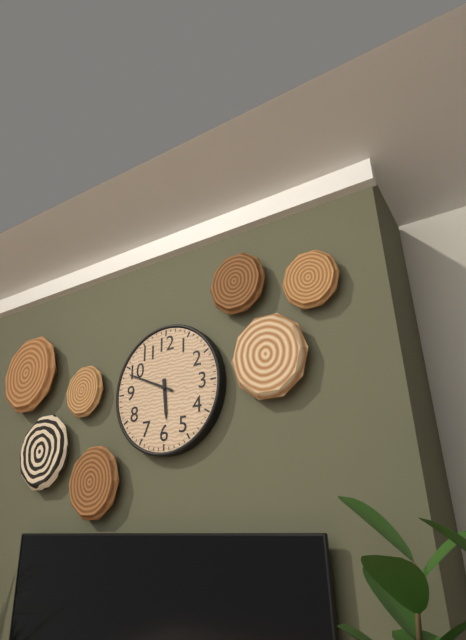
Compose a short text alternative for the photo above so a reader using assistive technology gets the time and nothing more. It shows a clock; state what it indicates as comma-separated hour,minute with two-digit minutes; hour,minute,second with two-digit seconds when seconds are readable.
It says 5,49
